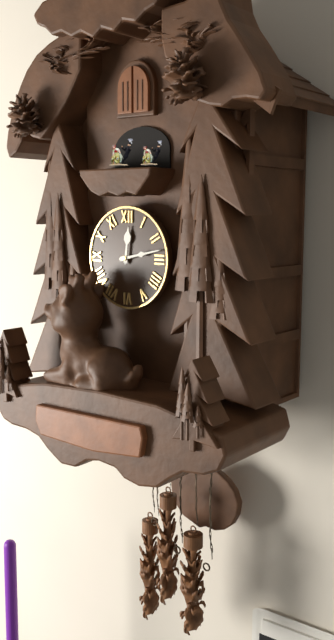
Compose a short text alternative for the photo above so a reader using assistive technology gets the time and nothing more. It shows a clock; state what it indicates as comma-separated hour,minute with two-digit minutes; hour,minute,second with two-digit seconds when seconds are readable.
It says 12,13
